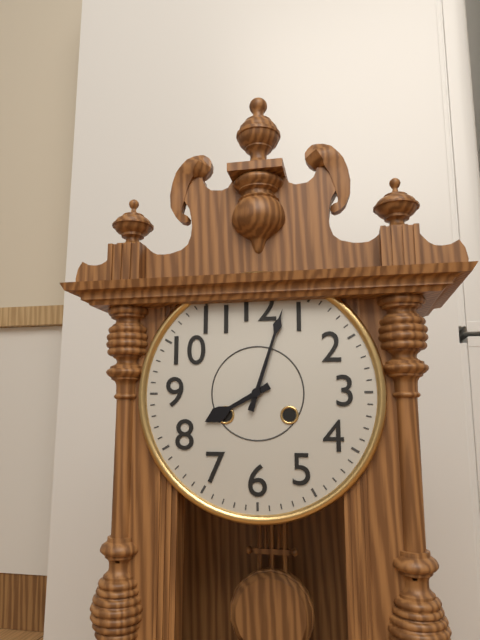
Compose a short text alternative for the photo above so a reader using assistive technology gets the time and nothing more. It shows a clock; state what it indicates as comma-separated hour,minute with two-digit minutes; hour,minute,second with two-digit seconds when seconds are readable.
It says 8,03
